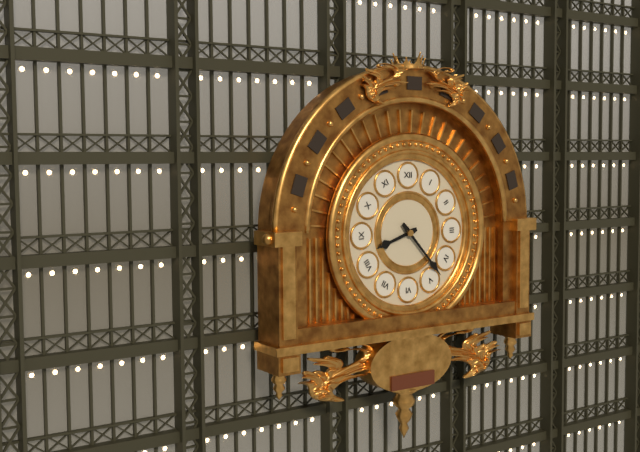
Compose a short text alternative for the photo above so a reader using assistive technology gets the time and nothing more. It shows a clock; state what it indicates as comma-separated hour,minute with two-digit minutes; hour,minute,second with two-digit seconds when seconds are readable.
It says 8,23
